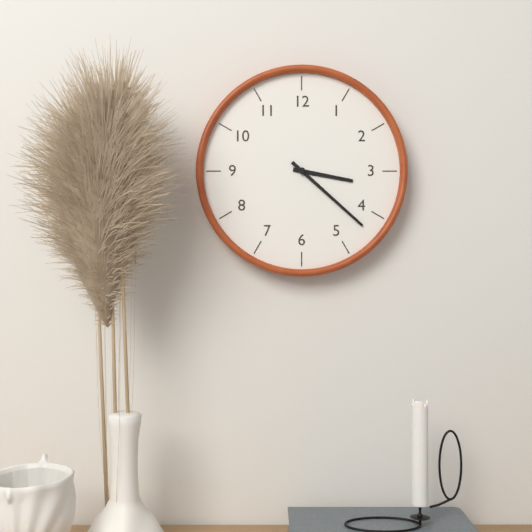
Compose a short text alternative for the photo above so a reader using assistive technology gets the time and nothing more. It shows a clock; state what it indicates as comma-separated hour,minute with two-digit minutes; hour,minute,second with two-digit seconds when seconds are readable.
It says 3,22
